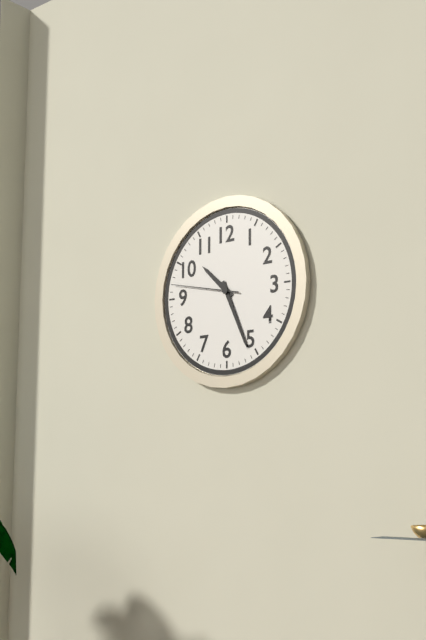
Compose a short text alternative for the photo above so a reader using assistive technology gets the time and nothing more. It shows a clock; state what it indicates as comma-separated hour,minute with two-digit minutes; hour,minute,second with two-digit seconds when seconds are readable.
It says 10,26,47
